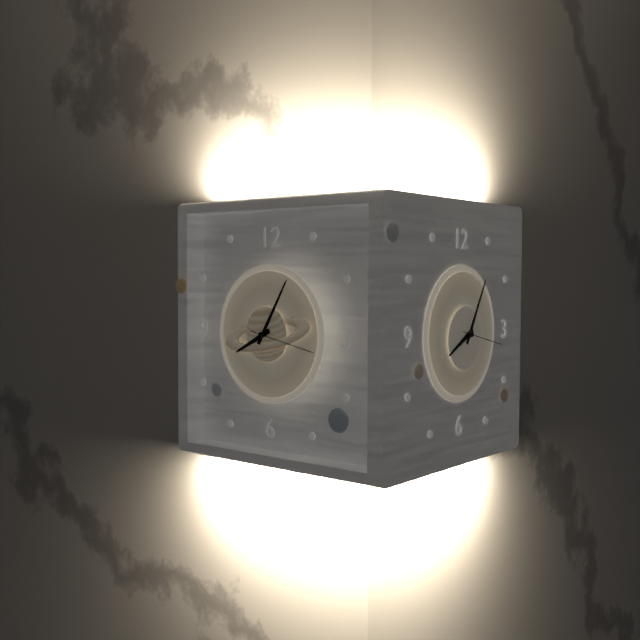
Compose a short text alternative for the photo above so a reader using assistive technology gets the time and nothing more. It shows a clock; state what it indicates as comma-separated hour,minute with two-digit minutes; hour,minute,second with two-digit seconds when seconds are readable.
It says 8,05,17
